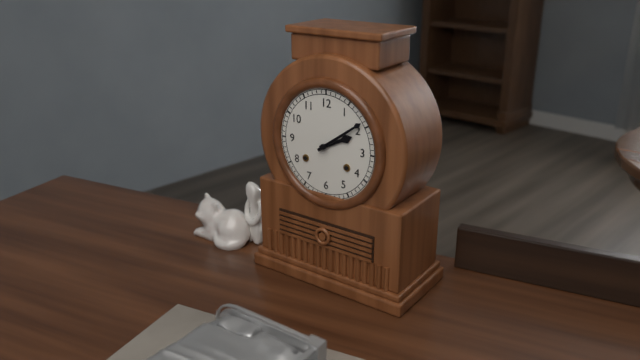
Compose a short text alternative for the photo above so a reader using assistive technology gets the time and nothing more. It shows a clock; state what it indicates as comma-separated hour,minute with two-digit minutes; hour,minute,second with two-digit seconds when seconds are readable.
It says 2,09
